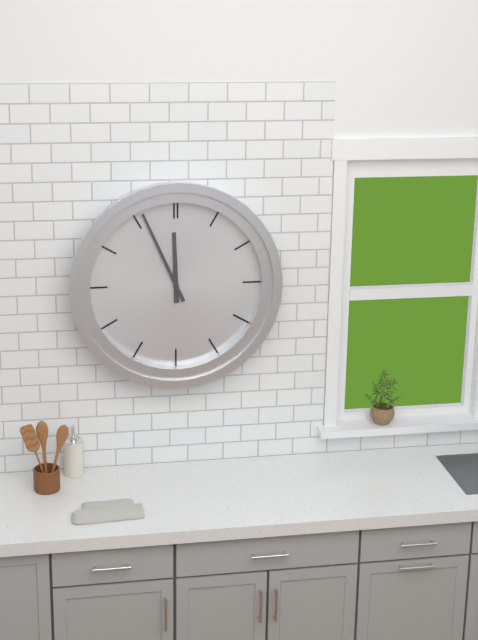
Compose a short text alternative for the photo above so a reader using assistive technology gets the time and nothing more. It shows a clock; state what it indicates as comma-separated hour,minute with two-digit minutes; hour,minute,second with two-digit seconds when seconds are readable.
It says 11,56
